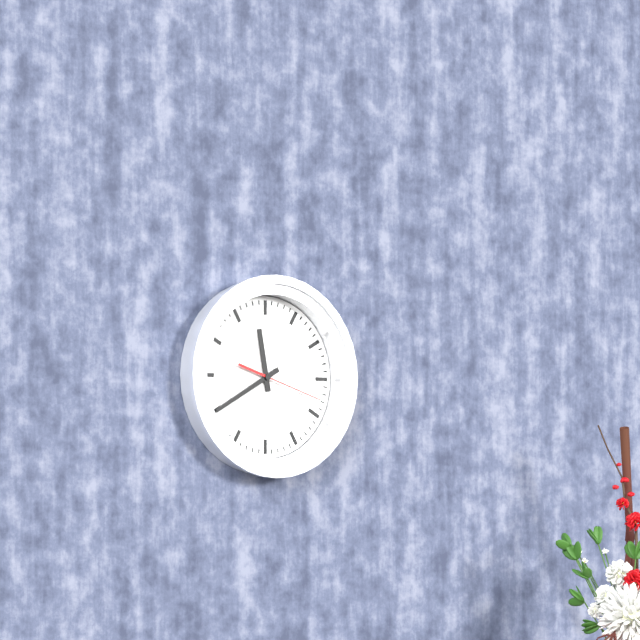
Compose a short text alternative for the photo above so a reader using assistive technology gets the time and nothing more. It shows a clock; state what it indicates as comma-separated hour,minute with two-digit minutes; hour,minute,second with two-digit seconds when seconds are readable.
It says 11,40,18
